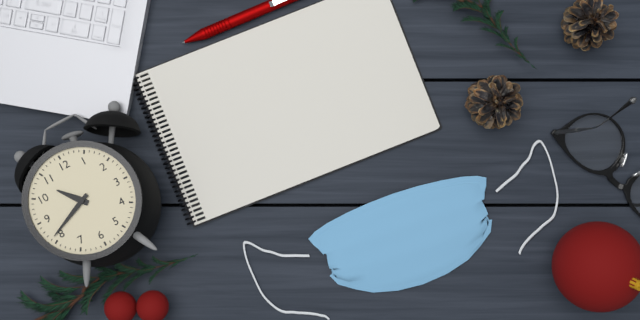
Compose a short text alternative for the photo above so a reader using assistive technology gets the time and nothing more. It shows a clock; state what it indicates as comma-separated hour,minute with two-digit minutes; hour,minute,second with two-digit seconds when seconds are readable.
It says 10,41
